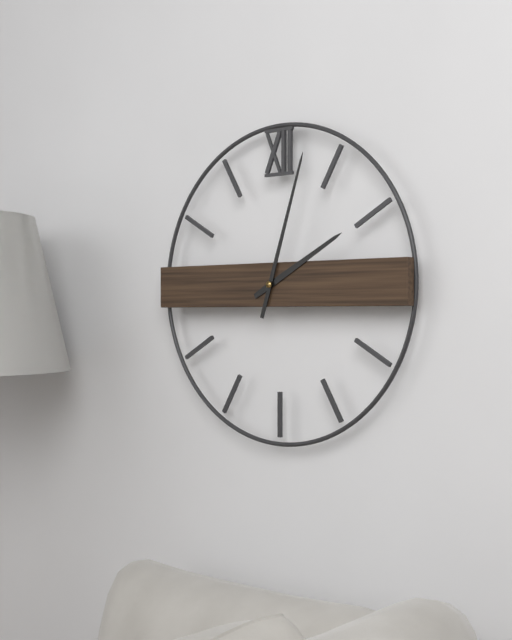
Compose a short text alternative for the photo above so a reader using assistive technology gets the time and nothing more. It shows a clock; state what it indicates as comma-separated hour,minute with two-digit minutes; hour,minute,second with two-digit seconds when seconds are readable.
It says 2,03
